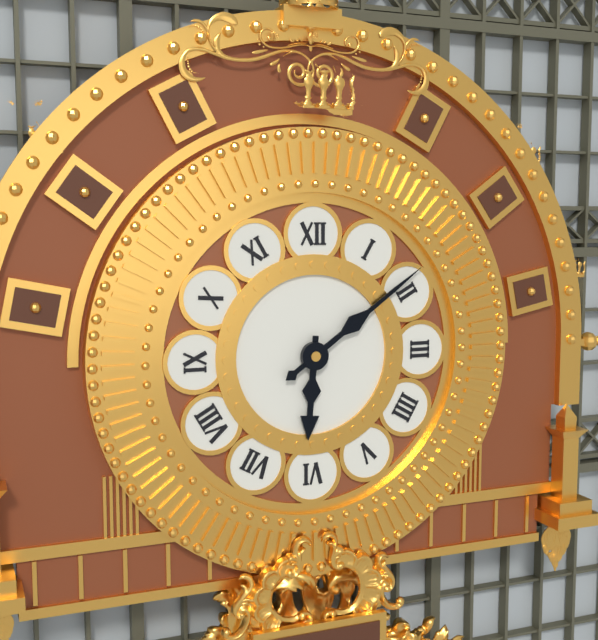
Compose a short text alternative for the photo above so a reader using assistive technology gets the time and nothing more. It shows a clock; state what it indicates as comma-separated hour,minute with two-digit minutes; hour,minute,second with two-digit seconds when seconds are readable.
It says 6,09
